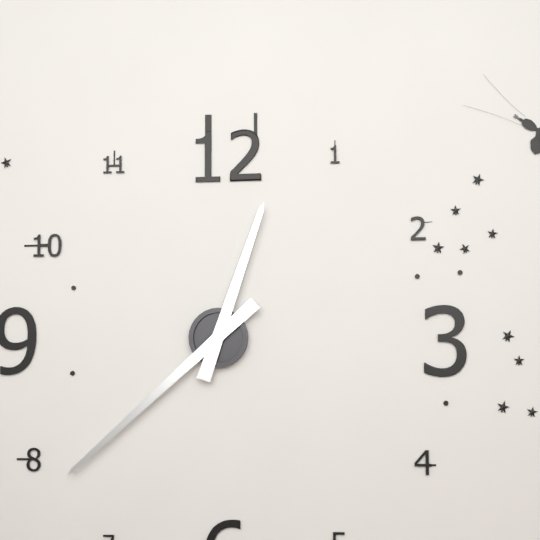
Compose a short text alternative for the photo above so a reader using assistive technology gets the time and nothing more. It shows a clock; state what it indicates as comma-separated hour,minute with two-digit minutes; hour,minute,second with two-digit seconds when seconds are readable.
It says 12,38
